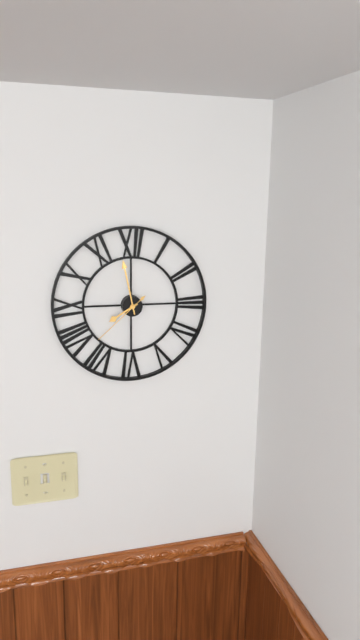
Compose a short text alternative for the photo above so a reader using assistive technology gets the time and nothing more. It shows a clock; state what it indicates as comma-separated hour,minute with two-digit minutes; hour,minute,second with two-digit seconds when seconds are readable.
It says 7,58,38
